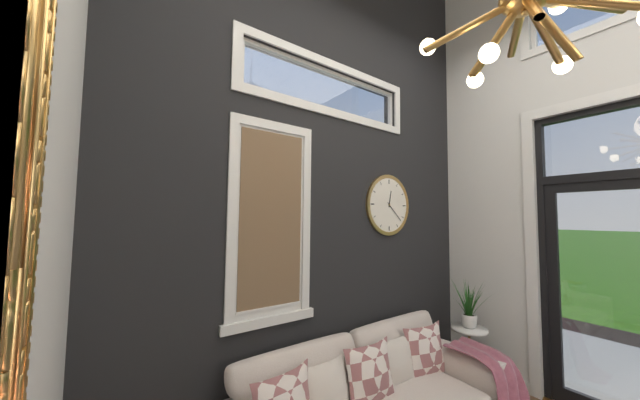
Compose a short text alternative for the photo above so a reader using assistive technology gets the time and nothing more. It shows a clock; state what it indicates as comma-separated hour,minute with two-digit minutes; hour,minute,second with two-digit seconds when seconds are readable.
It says 12,22
